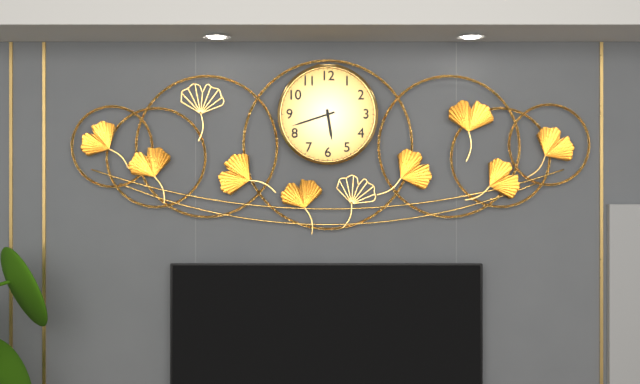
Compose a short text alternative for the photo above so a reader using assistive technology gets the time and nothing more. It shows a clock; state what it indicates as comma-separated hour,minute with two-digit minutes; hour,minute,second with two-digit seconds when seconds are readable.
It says 5,42
